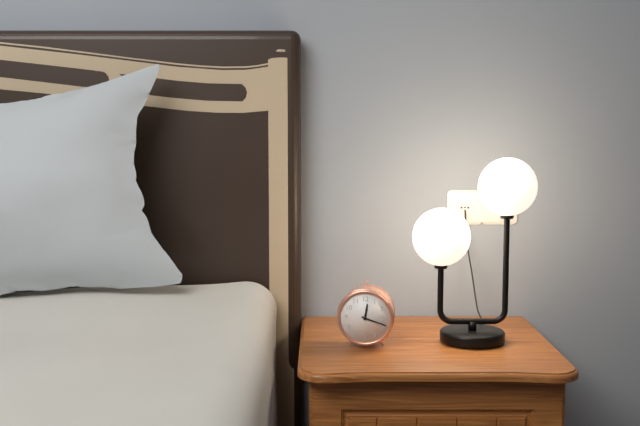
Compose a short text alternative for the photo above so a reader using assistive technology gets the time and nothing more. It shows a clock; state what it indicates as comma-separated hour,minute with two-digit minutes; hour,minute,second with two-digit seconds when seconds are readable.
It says 12,18
